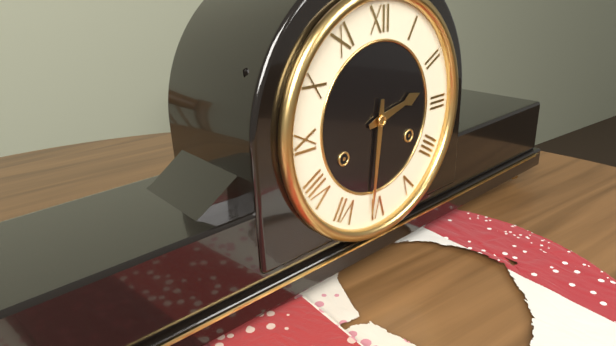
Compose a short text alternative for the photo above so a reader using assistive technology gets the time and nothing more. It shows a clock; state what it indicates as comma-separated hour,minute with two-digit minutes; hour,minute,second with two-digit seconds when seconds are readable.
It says 2,31
